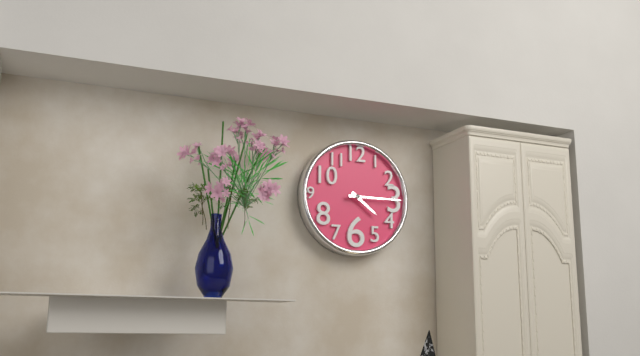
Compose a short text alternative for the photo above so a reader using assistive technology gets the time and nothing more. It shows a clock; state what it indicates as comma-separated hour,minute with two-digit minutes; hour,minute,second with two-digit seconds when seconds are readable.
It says 4,15
